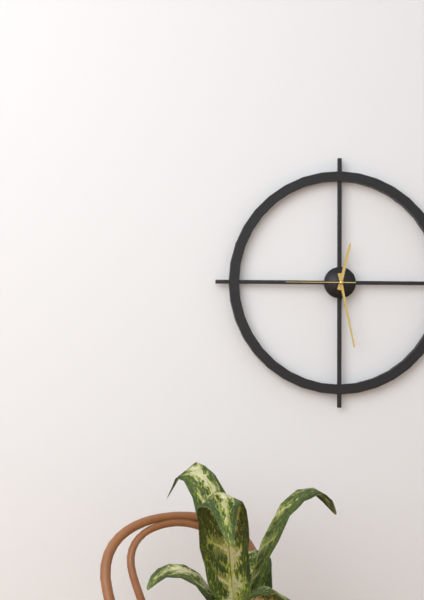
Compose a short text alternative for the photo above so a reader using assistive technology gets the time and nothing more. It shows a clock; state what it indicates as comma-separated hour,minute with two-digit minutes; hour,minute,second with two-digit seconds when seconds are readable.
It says 12,28,45
